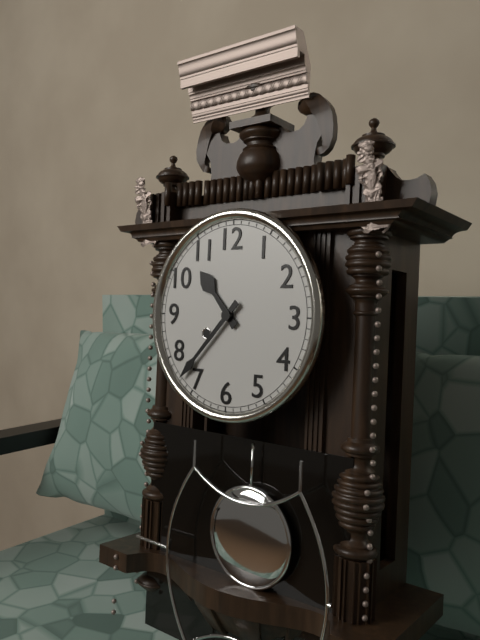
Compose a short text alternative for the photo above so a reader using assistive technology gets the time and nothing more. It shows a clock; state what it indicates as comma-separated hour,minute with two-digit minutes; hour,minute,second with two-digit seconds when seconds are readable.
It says 10,37
